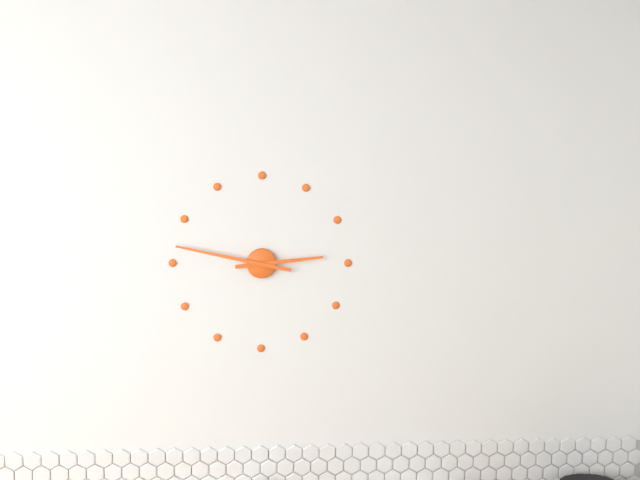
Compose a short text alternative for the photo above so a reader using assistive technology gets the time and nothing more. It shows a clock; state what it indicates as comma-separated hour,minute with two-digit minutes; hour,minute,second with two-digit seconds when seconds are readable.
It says 2,47
